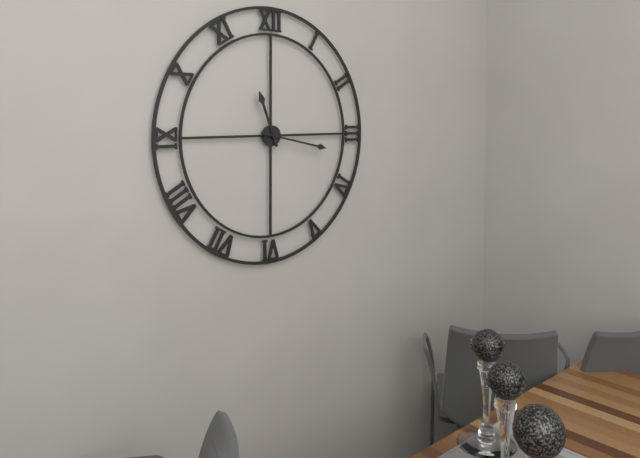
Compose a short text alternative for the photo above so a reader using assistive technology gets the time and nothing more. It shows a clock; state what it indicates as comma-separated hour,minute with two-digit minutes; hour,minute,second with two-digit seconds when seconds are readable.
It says 11,17
